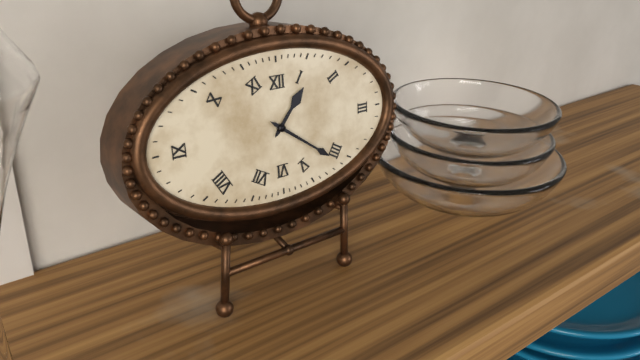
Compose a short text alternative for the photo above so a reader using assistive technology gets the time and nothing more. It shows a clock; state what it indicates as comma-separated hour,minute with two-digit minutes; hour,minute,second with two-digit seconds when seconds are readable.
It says 1,21
